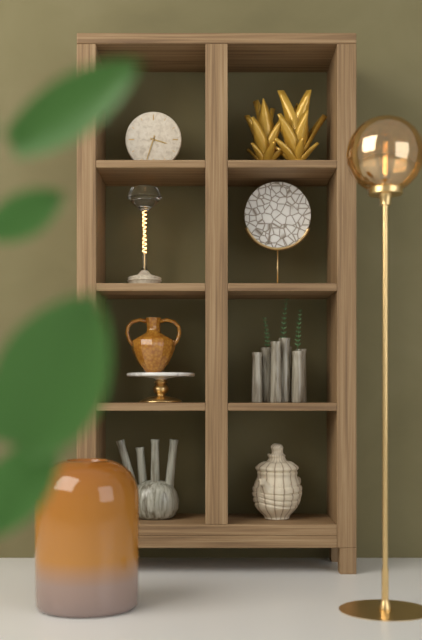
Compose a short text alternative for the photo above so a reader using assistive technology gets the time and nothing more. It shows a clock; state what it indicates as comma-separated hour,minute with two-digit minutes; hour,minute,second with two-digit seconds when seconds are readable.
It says 3,33
